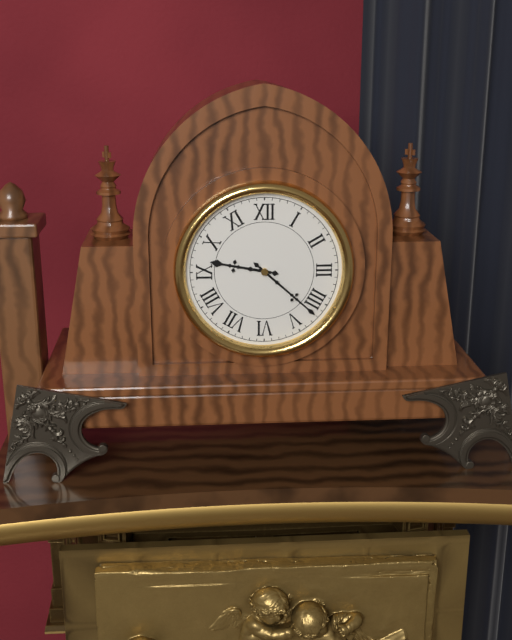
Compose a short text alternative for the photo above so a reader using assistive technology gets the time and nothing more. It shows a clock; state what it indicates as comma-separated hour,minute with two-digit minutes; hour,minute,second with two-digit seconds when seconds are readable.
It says 9,22
